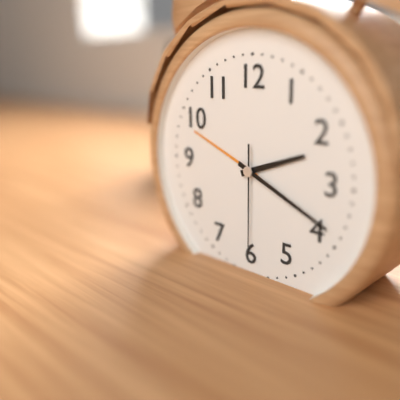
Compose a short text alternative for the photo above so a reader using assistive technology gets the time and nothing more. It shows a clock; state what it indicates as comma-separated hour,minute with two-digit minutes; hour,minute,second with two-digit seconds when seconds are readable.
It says 2,19,30
